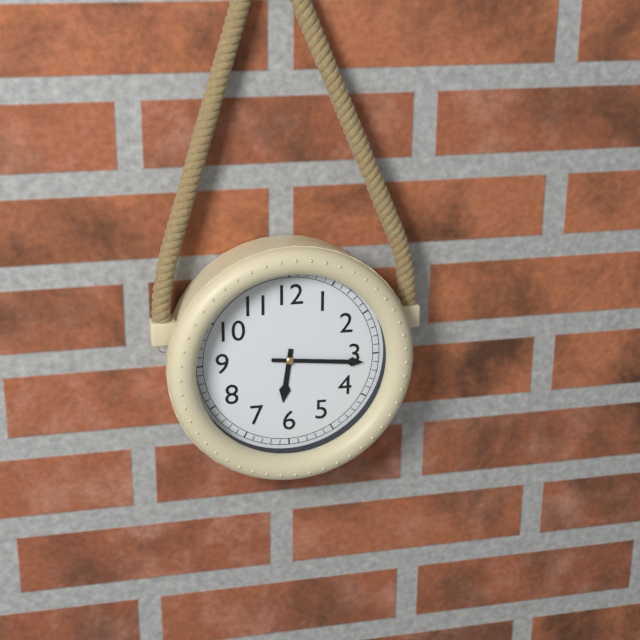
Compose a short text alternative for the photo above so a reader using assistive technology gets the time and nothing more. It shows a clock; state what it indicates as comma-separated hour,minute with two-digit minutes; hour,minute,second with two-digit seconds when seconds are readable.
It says 6,16
